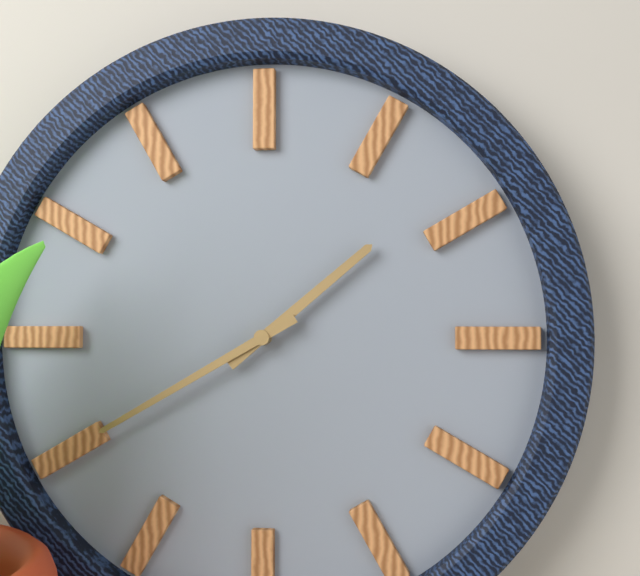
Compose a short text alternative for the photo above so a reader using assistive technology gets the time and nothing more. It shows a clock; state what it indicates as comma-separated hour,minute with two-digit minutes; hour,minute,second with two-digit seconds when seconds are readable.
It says 1,40
